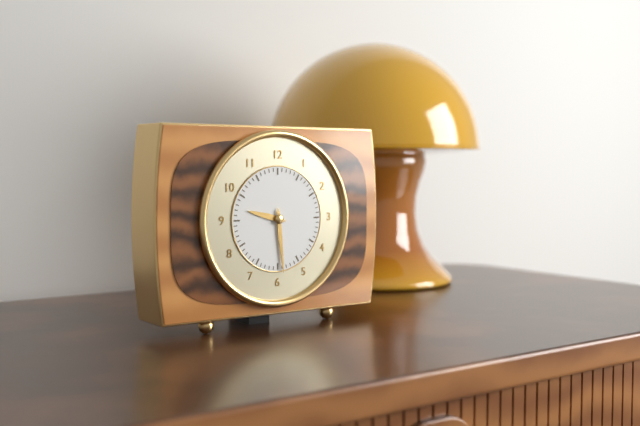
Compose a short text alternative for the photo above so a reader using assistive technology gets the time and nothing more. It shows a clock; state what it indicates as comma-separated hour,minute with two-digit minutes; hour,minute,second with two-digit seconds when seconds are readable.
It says 9,29
